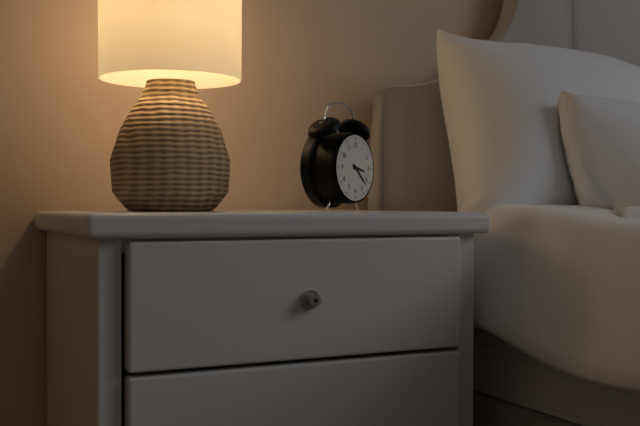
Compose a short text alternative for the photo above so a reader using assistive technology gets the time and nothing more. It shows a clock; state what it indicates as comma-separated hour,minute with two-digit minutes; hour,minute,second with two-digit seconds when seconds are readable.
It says 3,22
